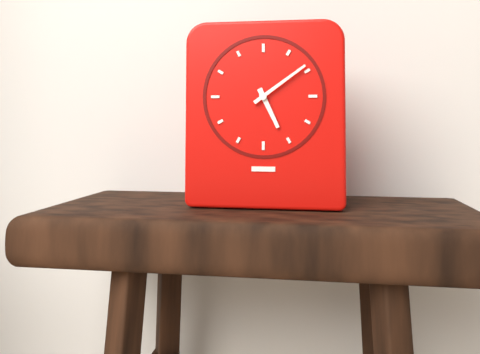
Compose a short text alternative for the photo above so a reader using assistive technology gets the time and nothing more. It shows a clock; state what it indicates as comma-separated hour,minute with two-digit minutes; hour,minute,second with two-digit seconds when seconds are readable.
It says 5,09
